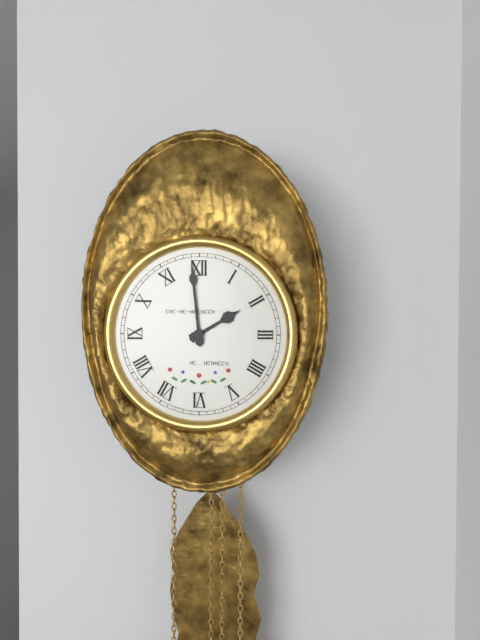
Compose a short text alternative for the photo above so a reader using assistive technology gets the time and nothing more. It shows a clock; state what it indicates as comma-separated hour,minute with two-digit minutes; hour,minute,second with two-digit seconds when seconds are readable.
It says 1,59
